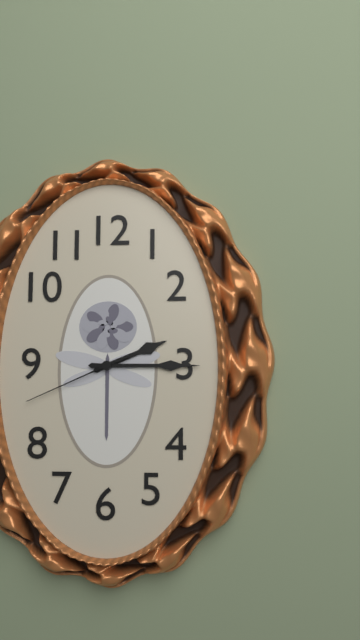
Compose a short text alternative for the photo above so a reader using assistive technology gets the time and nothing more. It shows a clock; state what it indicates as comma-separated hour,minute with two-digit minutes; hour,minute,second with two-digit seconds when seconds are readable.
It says 2,15,41
